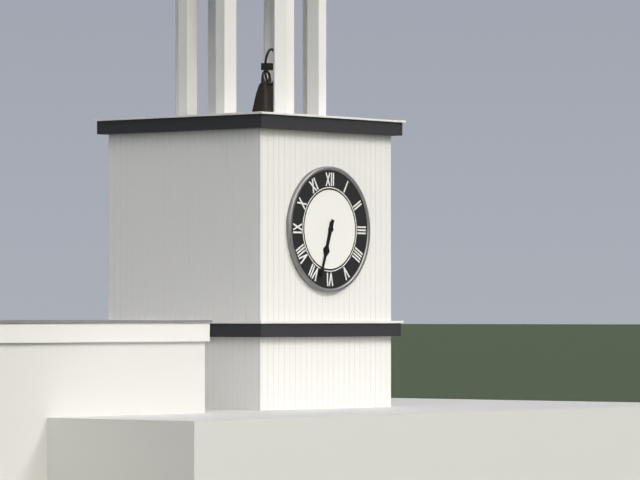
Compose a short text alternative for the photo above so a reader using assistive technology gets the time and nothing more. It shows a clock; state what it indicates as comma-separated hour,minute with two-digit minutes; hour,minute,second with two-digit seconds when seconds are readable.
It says 6,33
